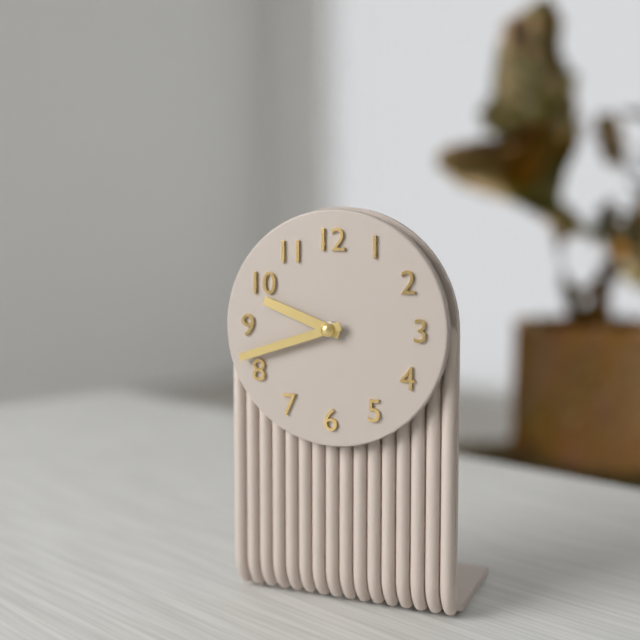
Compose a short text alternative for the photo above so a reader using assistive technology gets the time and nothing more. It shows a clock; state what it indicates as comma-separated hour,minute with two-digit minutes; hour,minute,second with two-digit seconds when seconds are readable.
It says 9,42
